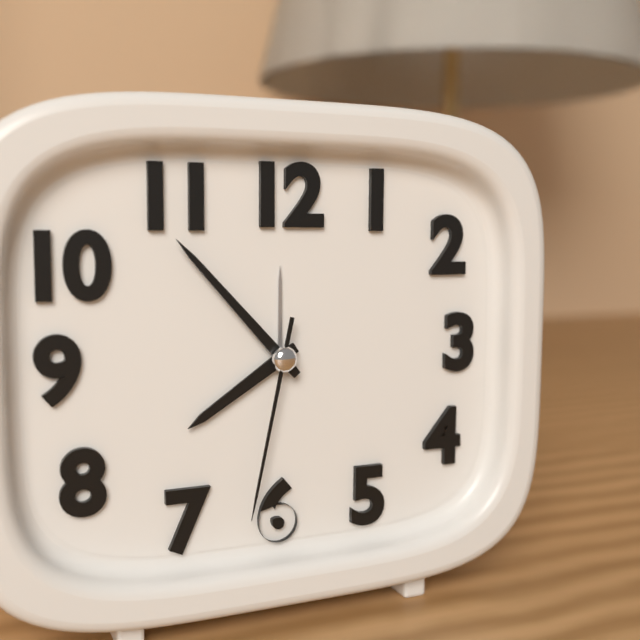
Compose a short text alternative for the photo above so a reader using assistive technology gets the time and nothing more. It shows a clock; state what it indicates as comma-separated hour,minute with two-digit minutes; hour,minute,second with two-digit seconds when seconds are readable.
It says 7,53,32
